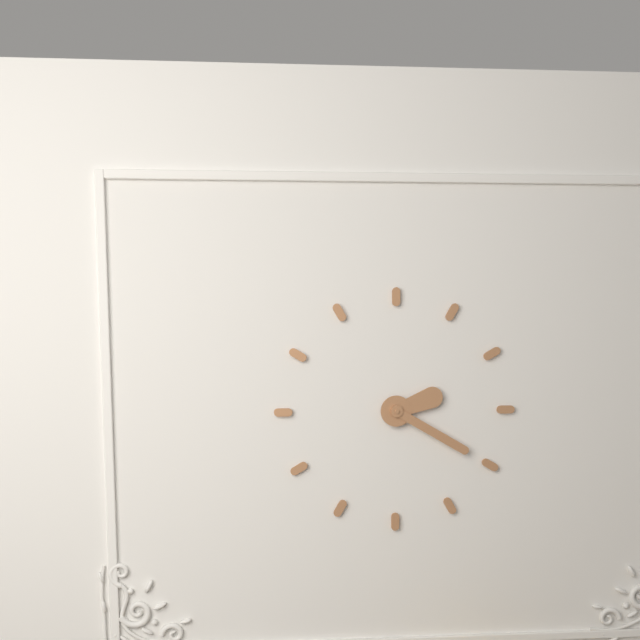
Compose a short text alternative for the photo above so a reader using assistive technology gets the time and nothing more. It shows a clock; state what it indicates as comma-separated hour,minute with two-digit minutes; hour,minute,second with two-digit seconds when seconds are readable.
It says 2,20
